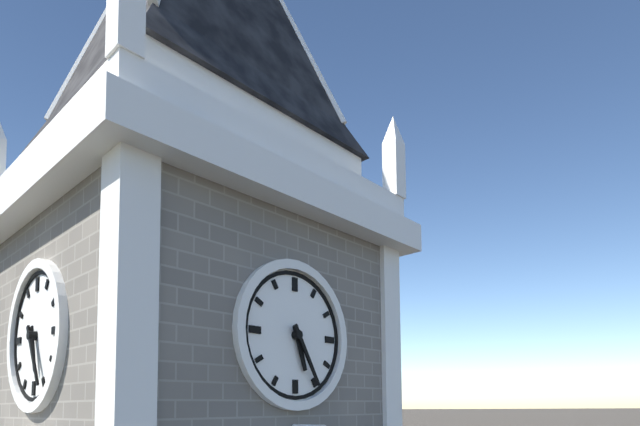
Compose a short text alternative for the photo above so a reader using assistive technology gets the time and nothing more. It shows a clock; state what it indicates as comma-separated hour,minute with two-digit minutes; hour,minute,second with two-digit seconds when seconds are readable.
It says 5,25
